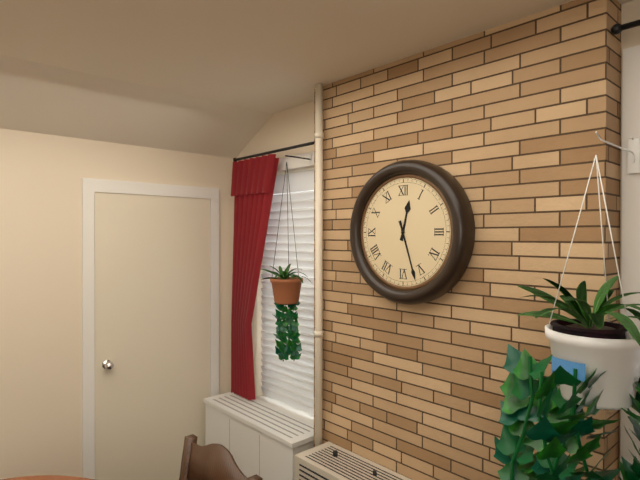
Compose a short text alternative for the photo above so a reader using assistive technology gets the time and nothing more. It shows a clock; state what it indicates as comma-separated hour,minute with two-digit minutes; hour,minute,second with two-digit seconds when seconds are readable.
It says 12,27
